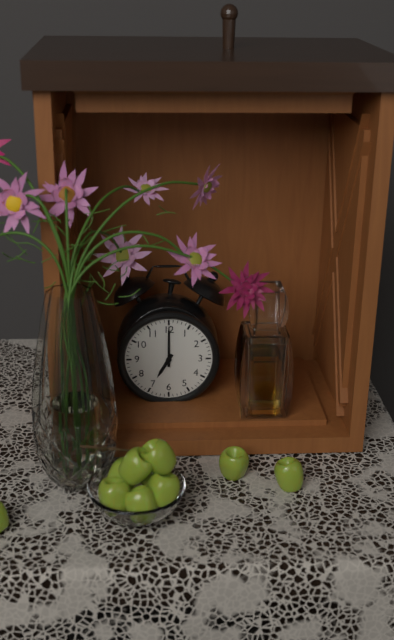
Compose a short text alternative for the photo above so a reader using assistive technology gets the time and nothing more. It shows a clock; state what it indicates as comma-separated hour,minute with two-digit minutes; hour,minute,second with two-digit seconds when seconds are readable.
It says 7,00
